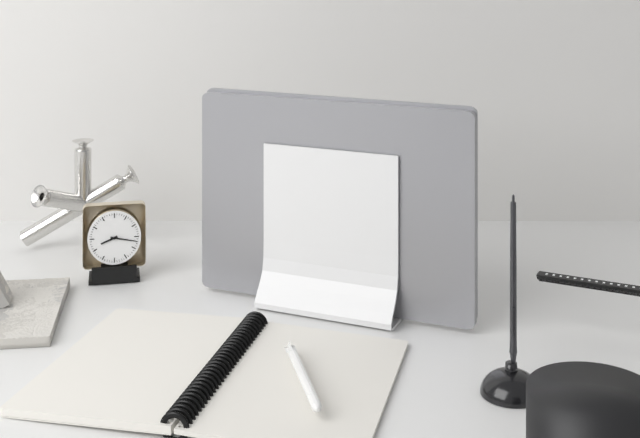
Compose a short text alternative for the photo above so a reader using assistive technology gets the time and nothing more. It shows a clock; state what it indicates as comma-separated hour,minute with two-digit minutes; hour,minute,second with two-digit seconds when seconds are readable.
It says 8,17
